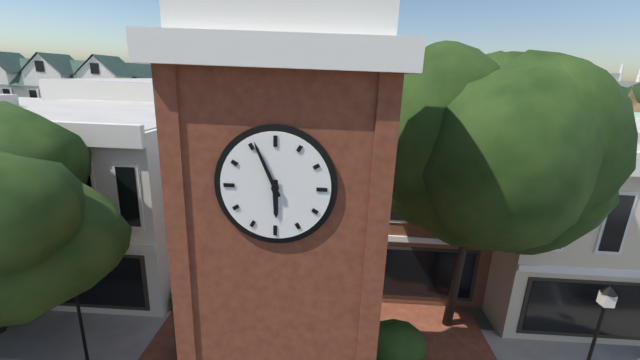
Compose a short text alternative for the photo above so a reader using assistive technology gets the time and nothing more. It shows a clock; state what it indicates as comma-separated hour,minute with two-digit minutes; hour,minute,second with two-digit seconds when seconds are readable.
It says 5,56
